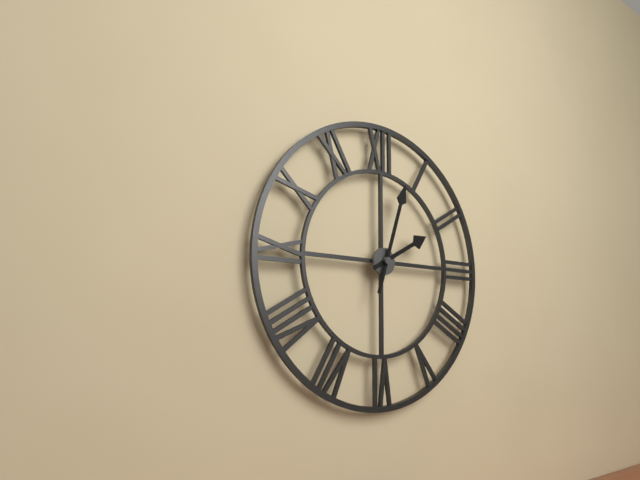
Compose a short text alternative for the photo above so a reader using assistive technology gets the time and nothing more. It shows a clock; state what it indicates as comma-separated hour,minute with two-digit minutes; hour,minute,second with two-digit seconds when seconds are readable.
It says 2,03
